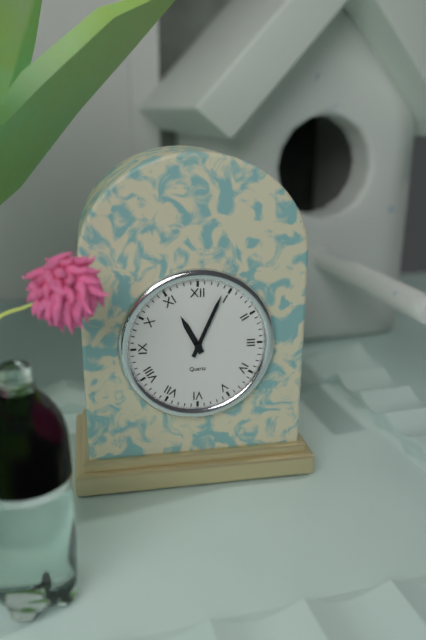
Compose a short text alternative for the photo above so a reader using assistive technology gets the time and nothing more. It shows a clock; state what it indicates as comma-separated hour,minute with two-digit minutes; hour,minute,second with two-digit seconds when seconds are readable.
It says 11,04
